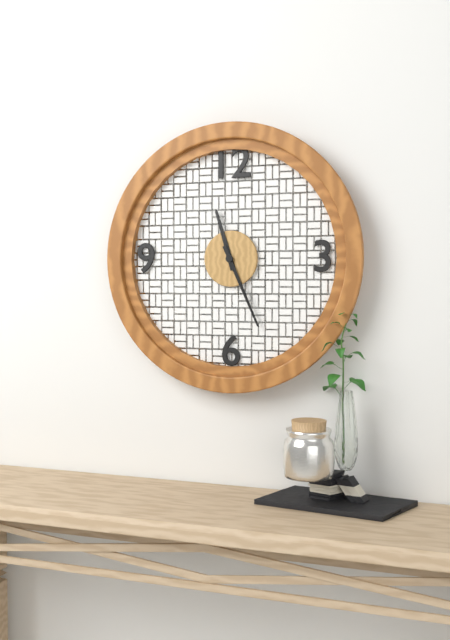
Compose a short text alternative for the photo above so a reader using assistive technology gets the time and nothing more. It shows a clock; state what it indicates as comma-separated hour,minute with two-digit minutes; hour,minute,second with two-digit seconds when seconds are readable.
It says 11,26
